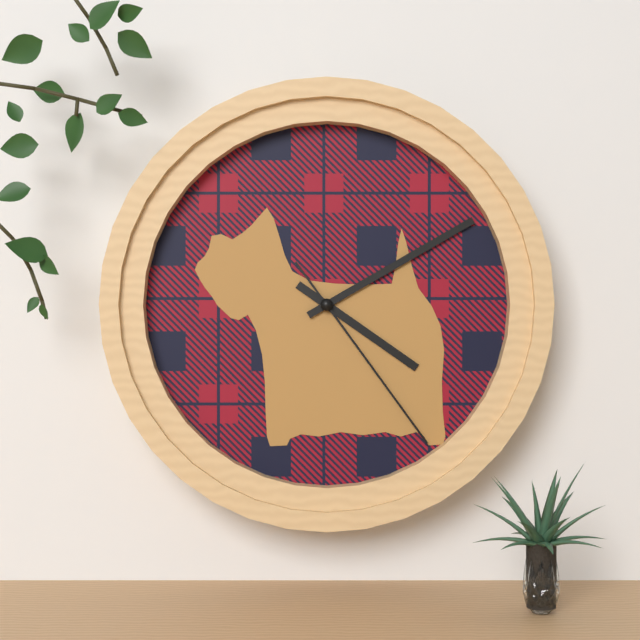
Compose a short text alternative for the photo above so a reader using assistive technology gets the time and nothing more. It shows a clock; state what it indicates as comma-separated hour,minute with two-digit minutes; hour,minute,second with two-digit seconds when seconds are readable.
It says 4,10,24
